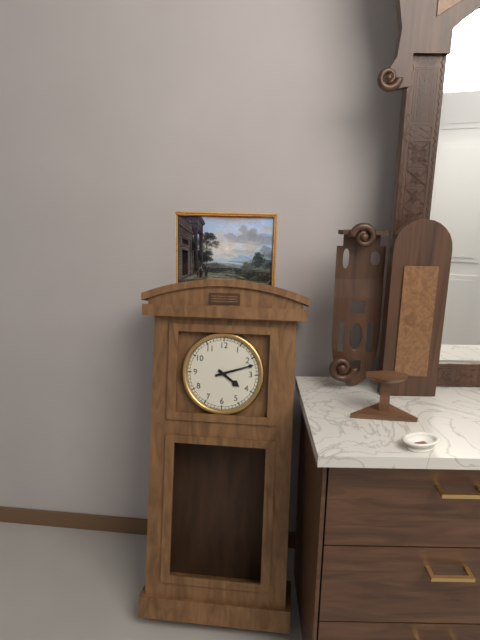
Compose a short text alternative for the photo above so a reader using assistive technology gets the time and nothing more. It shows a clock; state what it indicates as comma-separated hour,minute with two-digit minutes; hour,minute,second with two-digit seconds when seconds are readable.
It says 4,12
